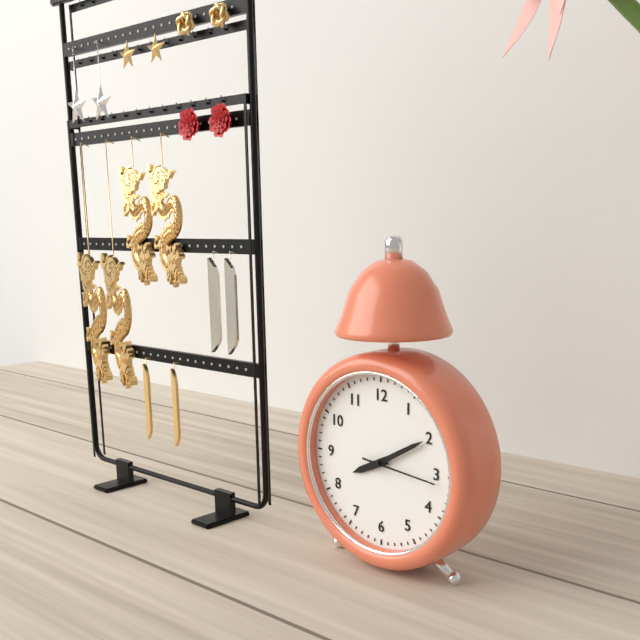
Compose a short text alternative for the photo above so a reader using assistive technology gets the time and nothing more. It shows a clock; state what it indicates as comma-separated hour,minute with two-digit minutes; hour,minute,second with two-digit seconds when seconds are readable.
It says 8,10,16
